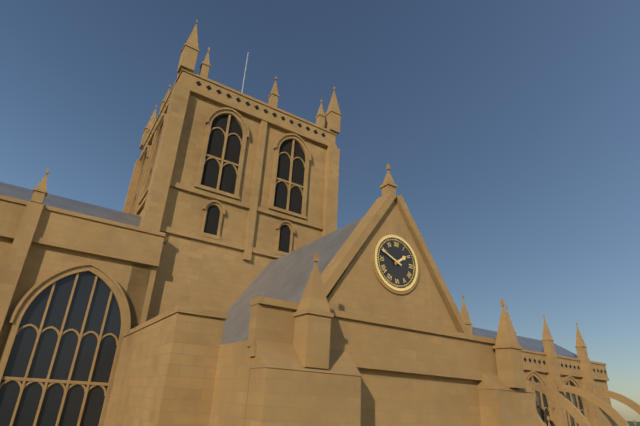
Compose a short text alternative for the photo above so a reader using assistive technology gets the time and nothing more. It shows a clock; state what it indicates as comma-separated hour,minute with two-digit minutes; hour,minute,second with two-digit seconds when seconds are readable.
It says 1,49
